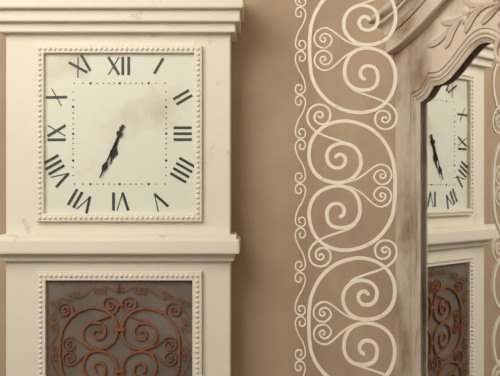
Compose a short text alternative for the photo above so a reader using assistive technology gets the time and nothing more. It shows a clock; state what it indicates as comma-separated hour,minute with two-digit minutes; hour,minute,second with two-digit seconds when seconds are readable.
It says 6,34
